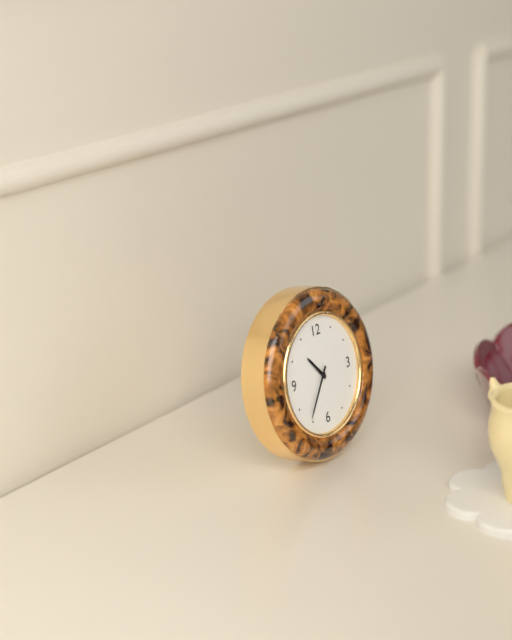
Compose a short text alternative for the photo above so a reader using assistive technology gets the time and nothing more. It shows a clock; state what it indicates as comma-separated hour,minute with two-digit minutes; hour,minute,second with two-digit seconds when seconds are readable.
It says 10,36
